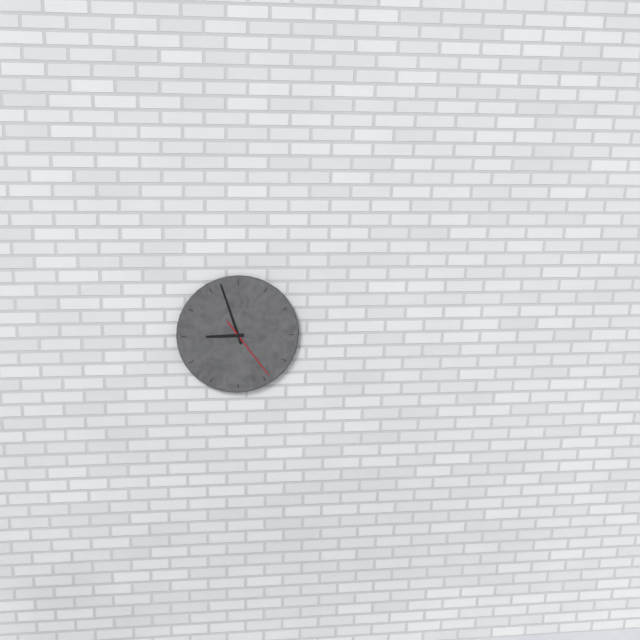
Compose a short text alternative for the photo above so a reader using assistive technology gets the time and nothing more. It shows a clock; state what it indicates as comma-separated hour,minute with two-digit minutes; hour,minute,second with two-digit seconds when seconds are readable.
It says 8,57,24
